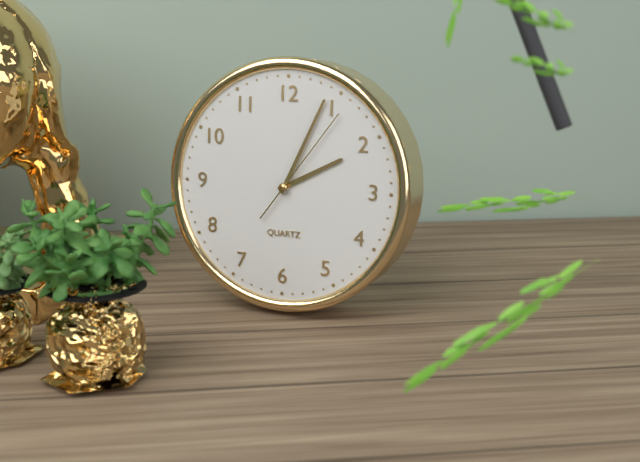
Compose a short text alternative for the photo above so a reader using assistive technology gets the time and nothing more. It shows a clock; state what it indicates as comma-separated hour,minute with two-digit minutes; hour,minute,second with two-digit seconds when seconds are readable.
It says 2,04,06
